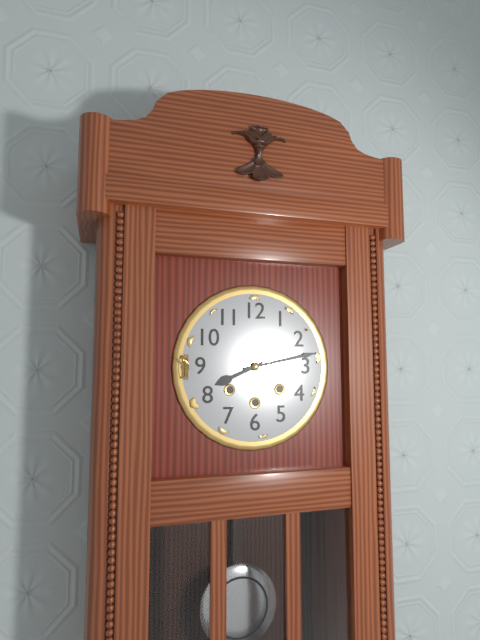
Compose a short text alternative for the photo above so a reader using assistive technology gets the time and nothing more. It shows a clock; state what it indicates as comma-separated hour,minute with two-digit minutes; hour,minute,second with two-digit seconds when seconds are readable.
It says 8,13
